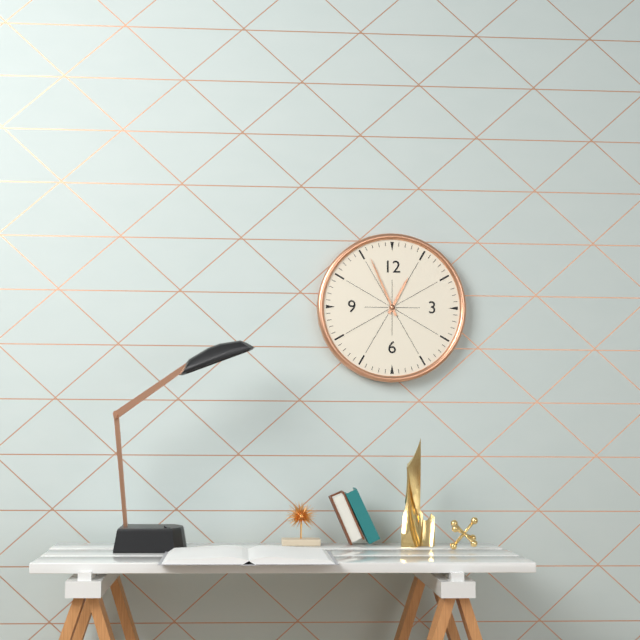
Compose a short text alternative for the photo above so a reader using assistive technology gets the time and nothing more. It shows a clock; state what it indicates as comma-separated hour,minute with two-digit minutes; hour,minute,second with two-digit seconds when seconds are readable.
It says 12,56
